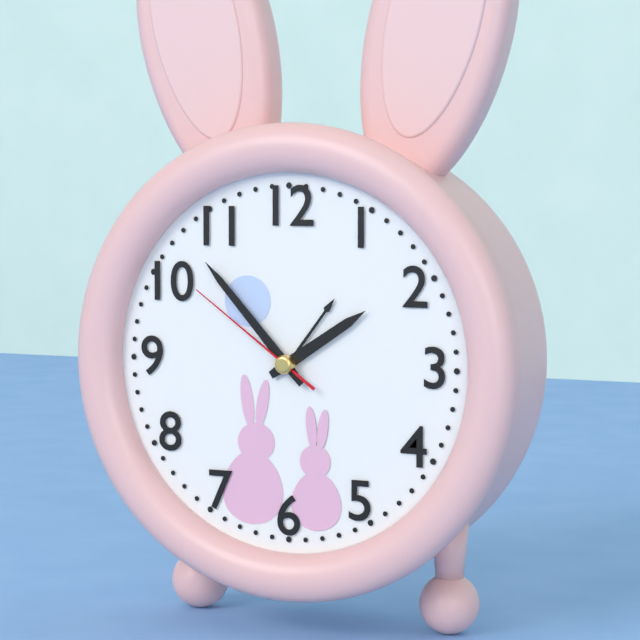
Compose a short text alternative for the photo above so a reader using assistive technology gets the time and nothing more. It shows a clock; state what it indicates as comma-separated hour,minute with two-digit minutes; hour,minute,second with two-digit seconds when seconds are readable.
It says 1,53,51
